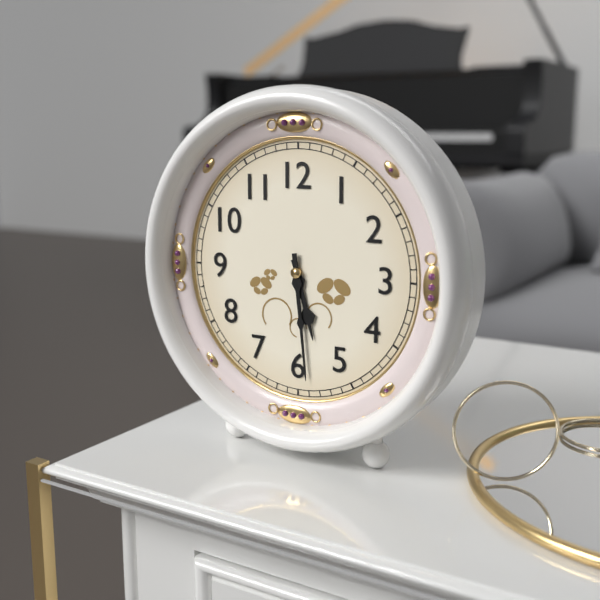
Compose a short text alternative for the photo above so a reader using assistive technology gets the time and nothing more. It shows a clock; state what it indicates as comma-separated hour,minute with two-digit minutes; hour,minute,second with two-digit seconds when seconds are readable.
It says 5,29
